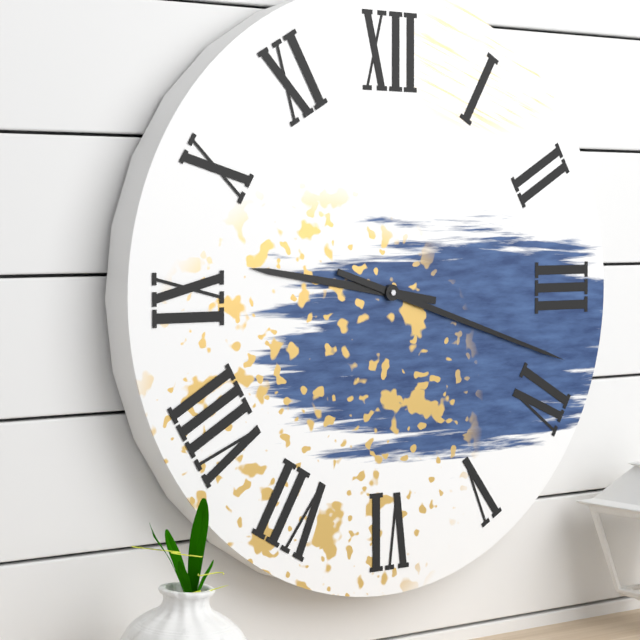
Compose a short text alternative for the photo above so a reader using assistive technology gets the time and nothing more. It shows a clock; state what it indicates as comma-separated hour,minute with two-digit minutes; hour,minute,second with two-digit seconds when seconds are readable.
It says 9,18
